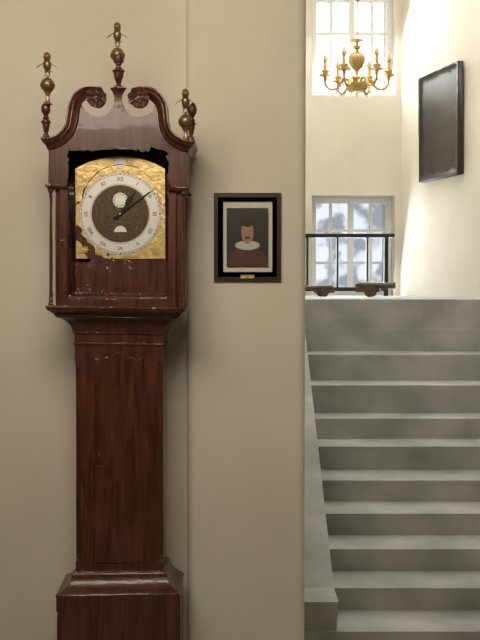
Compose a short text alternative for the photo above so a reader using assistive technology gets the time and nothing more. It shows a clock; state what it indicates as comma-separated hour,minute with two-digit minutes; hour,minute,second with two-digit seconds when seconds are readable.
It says 1,09
